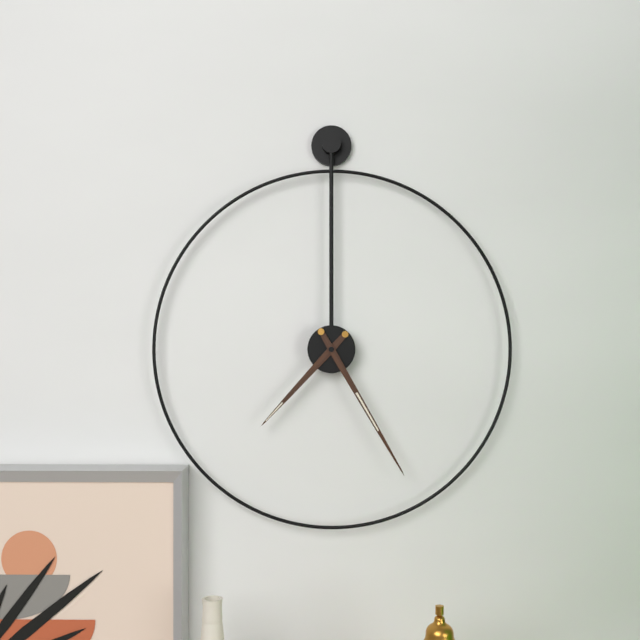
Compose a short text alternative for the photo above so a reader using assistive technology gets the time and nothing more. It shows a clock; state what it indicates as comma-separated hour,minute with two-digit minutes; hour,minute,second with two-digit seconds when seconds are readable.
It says 7,25
